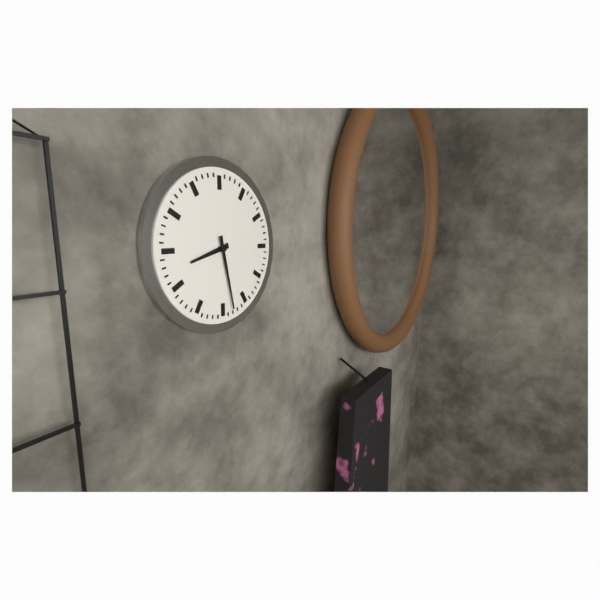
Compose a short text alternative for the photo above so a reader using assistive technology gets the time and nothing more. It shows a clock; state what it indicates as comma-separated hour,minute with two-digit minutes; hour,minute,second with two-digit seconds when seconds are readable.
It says 8,28
